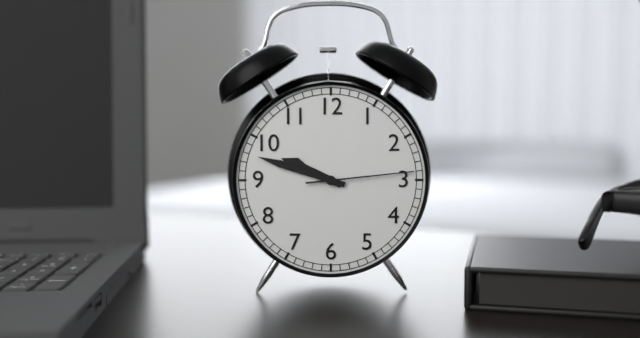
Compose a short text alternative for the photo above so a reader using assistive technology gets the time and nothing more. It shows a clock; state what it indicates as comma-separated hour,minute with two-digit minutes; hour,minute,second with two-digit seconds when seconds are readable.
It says 9,48,14
